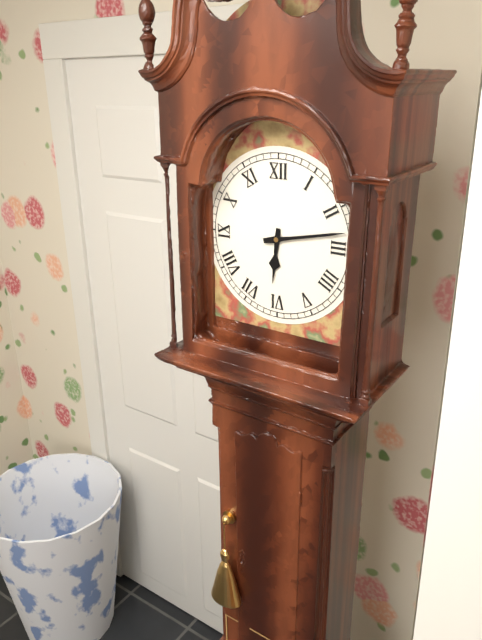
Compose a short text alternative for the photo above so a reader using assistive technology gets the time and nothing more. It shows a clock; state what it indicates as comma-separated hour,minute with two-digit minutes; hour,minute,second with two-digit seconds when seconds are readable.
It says 6,13
